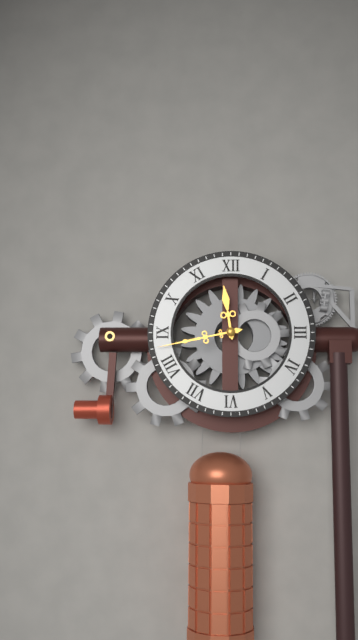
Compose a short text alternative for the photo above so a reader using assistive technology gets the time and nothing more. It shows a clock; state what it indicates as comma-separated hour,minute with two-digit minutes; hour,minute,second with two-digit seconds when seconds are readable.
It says 11,43
